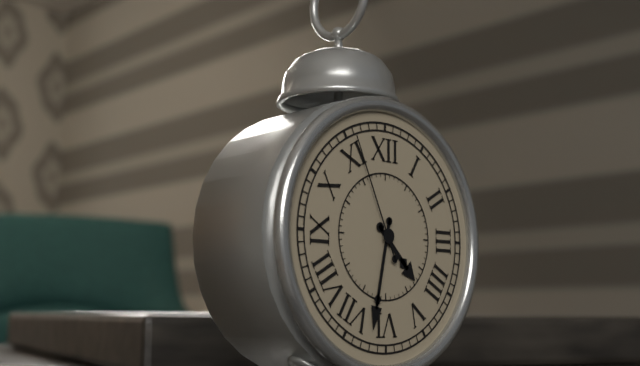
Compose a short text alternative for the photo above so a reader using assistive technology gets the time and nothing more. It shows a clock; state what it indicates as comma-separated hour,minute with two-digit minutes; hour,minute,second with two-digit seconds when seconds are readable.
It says 4,32,56
